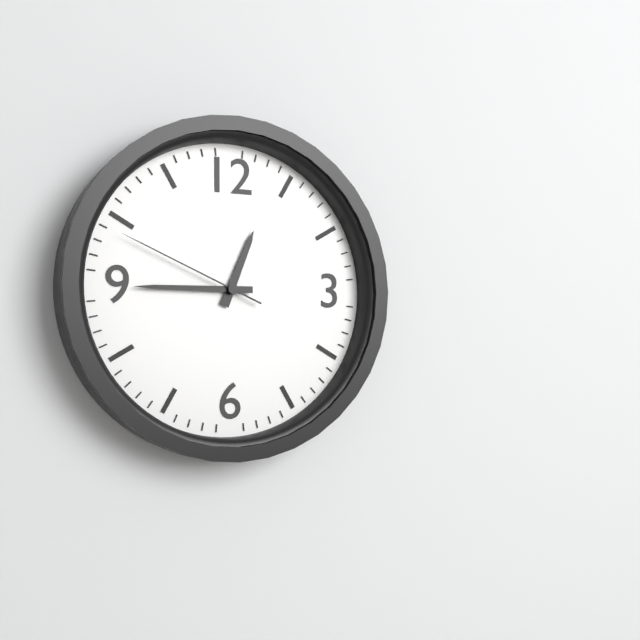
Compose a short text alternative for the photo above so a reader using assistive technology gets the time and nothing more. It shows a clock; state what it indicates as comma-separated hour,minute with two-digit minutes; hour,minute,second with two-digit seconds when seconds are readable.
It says 12,45,49
